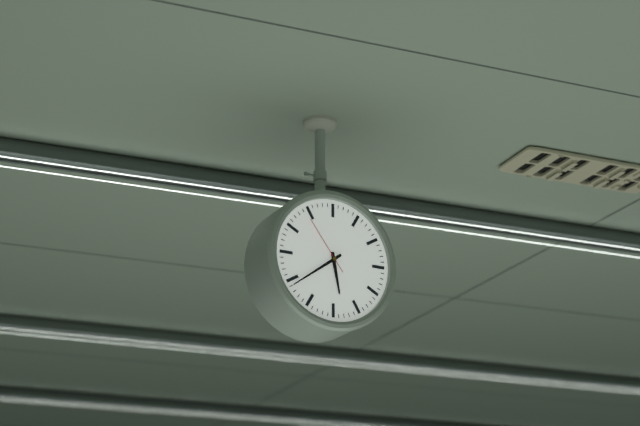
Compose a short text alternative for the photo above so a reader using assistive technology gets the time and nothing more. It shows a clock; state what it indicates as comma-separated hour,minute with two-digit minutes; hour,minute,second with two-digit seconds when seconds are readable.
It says 5,39,54
